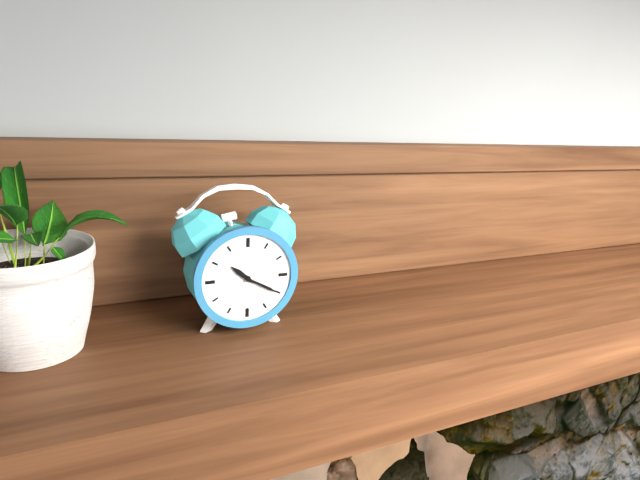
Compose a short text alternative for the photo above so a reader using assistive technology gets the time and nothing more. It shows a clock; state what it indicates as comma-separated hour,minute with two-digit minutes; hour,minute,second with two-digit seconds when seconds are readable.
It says 10,20
